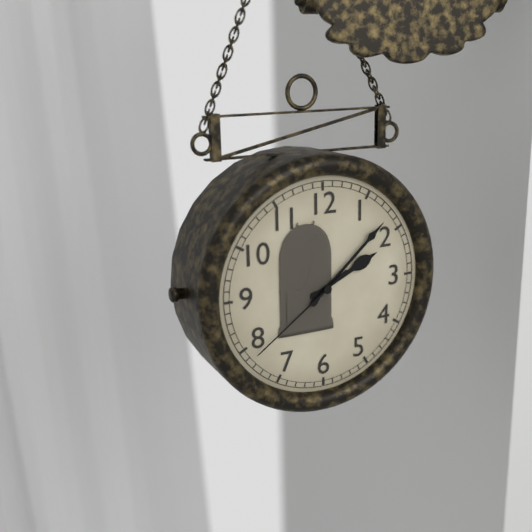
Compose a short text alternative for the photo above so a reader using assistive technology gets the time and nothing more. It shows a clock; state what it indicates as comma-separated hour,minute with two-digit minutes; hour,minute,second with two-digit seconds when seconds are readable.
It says 2,08,39
